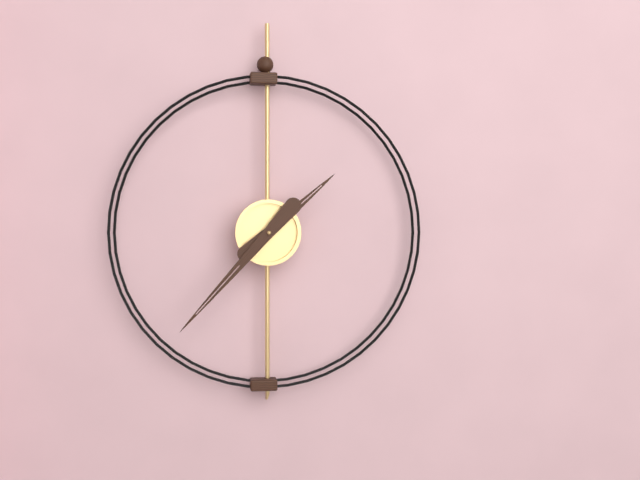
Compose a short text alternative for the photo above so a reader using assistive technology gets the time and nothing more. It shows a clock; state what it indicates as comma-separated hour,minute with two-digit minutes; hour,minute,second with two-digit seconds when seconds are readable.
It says 1,37
